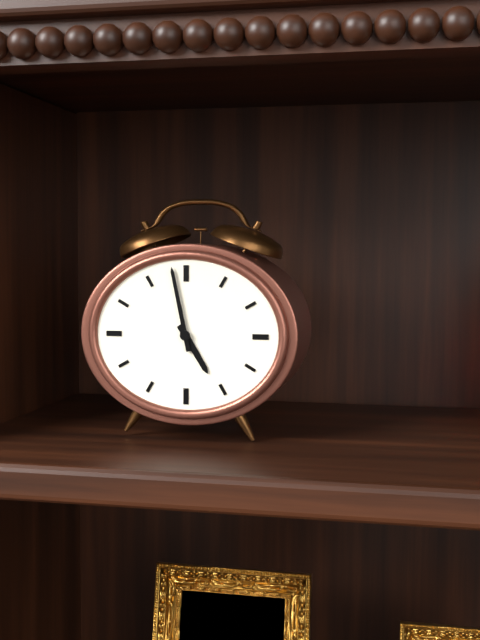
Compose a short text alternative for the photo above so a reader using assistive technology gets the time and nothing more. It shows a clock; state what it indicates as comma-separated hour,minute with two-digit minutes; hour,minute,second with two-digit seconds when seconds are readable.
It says 4,58
